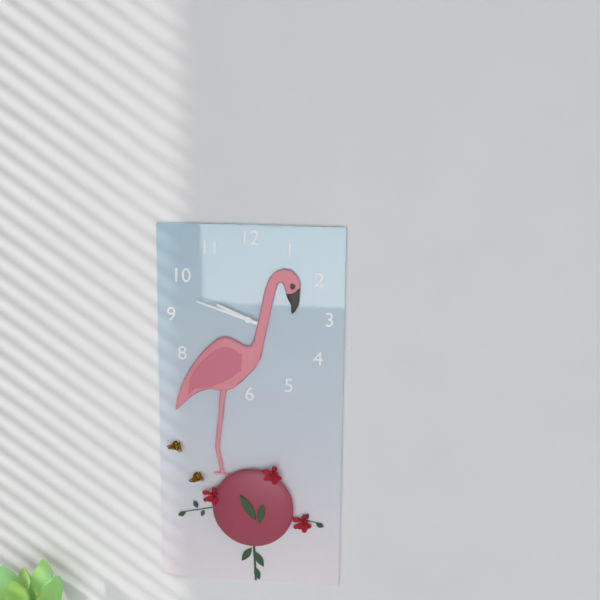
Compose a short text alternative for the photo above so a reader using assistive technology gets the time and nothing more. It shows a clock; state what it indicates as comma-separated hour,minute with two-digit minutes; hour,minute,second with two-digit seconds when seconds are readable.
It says 9,48
